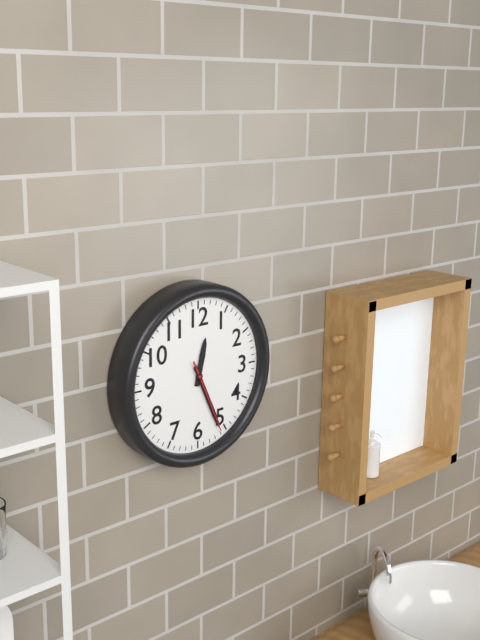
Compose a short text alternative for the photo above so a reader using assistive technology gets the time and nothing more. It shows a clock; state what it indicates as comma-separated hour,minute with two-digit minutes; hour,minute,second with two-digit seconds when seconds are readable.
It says 12,26,26
